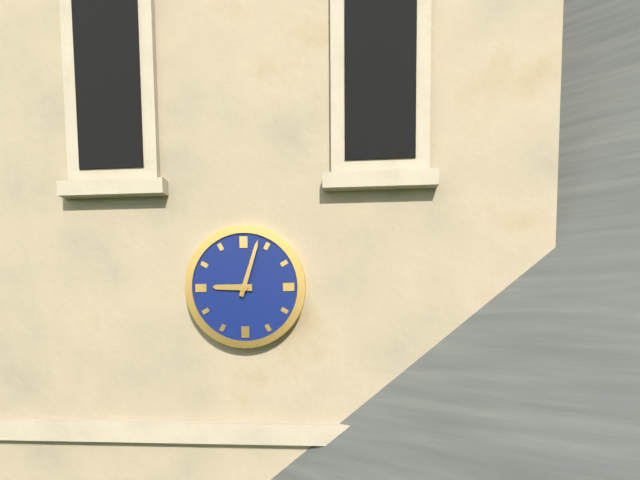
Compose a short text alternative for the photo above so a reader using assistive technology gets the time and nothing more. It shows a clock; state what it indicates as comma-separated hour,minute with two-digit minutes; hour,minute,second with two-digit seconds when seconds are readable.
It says 9,03
